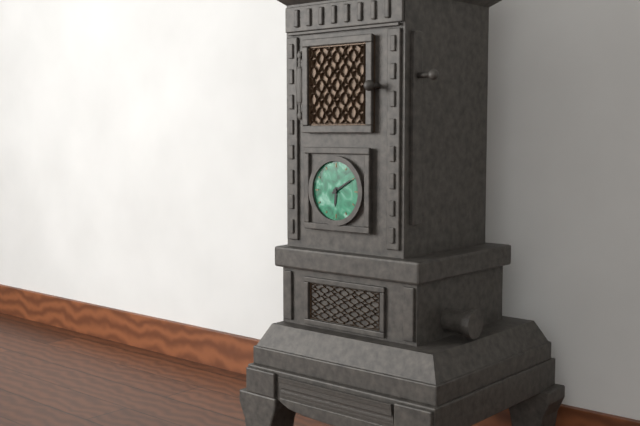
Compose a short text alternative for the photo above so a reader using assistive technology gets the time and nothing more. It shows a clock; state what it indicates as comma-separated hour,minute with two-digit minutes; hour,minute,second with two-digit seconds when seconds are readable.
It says 6,10
